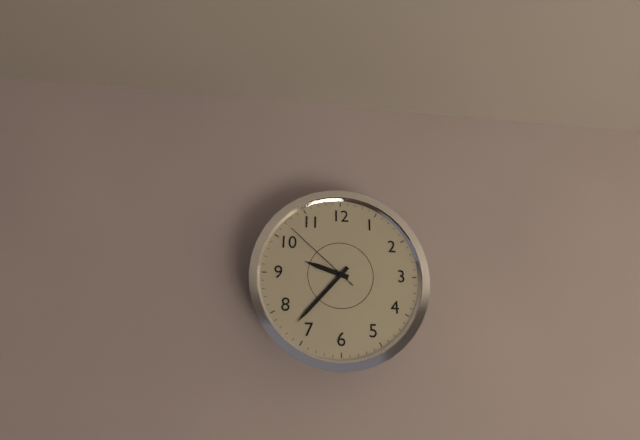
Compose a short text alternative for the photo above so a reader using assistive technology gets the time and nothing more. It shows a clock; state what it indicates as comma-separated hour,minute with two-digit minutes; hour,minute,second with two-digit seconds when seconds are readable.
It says 9,37,52
